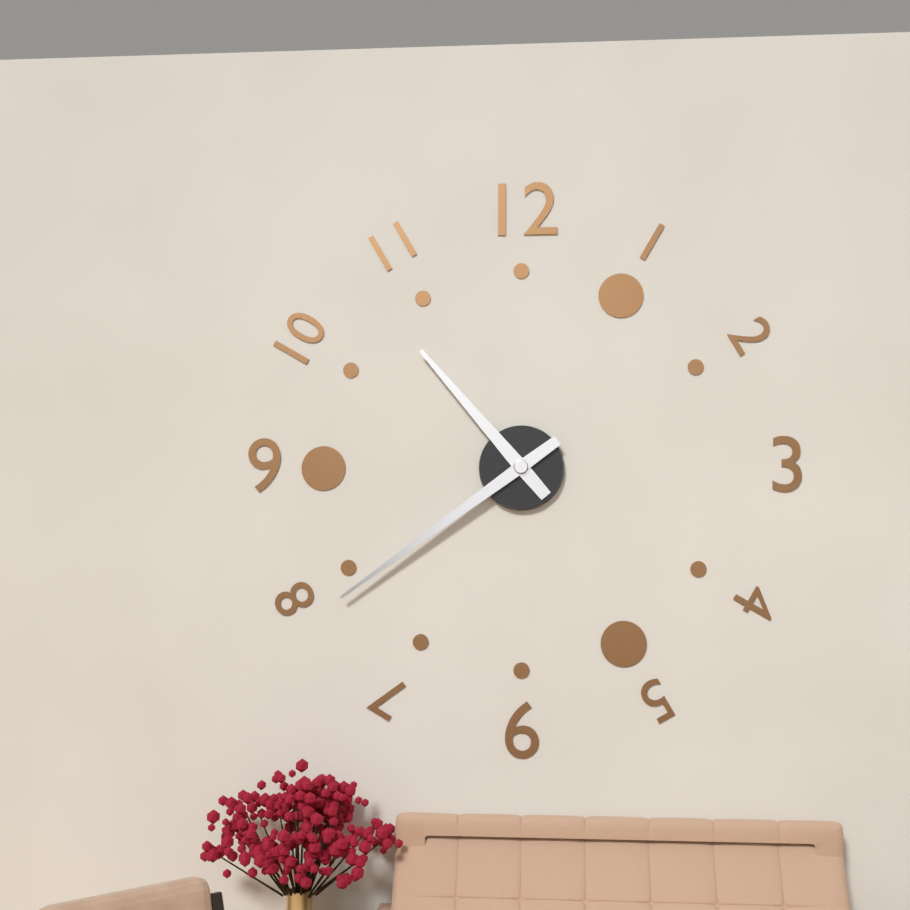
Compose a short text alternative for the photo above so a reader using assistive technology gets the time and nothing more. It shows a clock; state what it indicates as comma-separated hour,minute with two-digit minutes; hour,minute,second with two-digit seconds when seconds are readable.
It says 10,39
